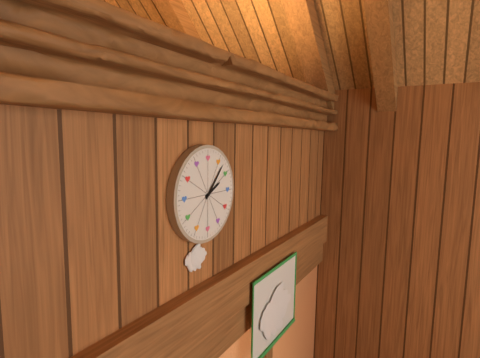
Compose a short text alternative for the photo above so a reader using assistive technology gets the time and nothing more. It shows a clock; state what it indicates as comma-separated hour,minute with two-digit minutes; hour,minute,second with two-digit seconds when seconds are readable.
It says 2,07
